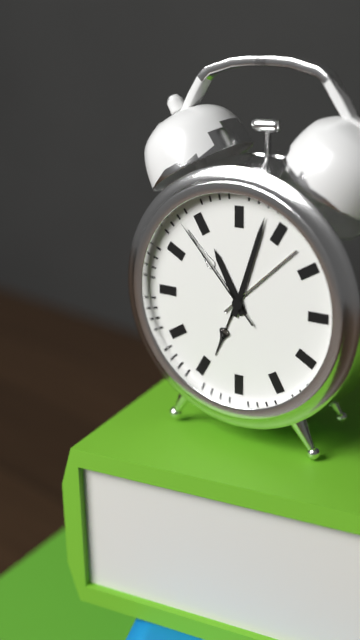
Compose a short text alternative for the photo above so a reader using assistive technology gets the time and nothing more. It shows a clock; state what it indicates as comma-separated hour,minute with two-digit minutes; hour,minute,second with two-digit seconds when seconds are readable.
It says 11,03,53
